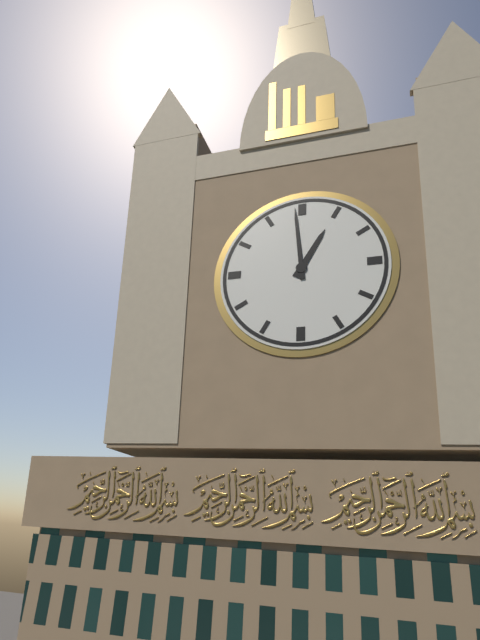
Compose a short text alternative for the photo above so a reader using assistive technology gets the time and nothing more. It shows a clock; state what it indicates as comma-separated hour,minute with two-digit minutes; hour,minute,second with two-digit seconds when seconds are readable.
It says 12,59
